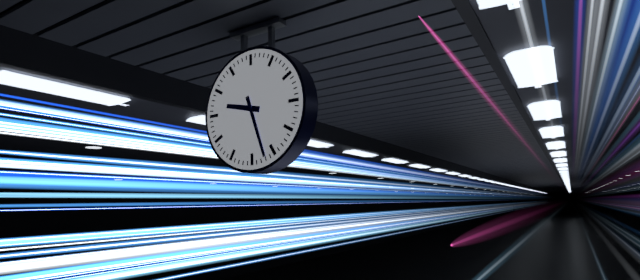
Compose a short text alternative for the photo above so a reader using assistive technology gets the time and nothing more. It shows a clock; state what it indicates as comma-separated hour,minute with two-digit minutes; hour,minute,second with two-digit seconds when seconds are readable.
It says 9,27
